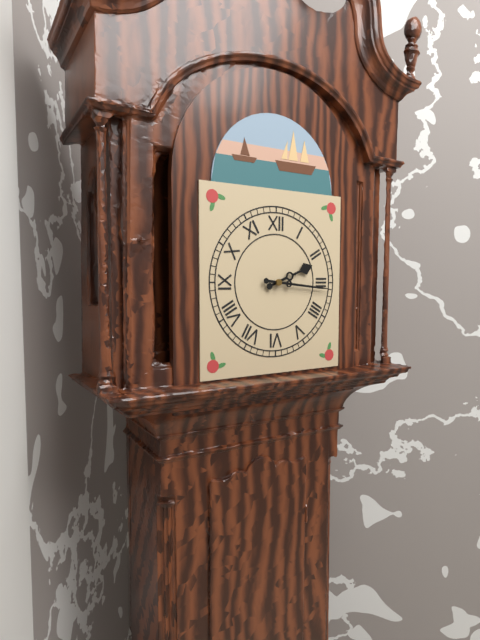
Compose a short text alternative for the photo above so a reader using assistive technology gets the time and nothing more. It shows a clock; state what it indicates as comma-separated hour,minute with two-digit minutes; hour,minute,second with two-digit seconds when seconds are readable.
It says 2,16
